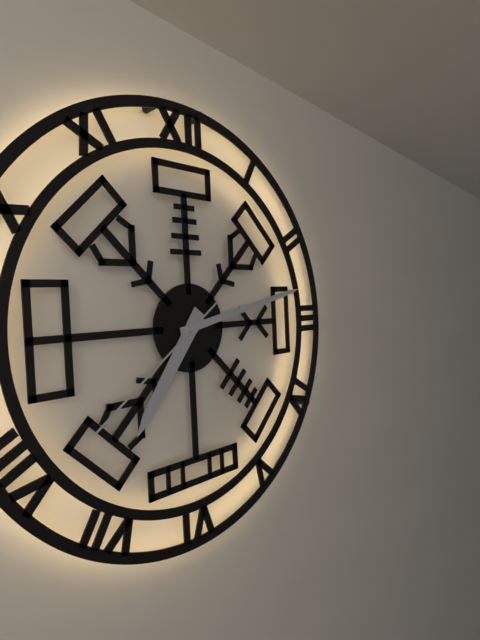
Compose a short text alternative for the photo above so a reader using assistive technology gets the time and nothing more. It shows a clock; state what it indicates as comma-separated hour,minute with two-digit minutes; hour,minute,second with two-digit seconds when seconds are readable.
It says 7,13,39
